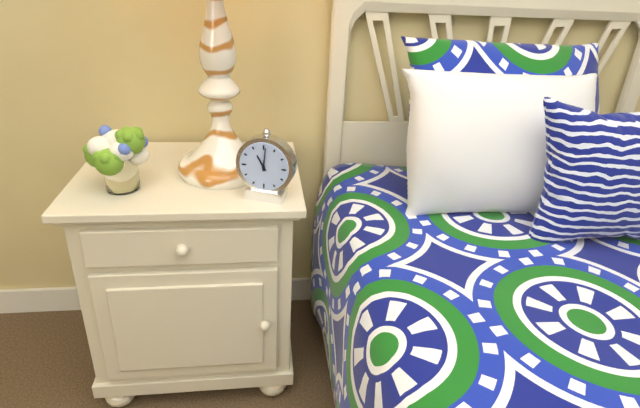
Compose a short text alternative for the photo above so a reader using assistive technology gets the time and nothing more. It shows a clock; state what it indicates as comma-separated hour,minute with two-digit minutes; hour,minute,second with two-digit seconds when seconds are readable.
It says 11,01
